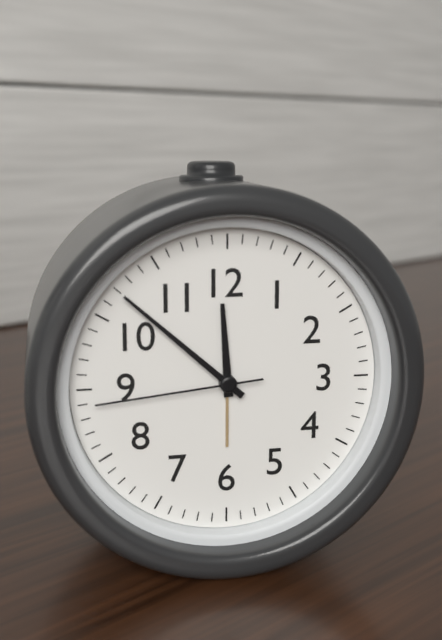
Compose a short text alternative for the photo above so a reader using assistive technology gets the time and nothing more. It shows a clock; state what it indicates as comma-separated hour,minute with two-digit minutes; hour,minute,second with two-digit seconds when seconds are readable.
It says 11,52,44
